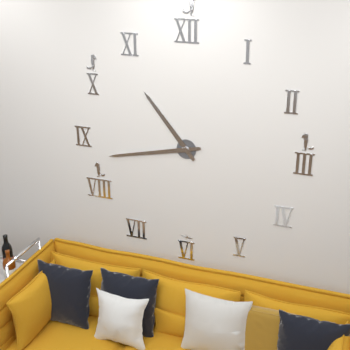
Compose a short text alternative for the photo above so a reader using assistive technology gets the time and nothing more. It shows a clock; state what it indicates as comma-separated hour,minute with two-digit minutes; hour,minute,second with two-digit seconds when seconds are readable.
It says 10,43
